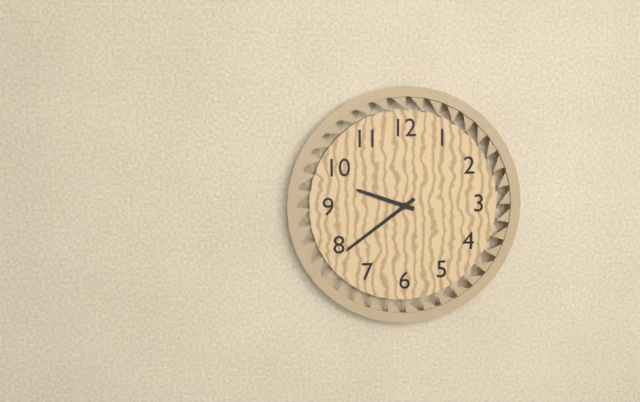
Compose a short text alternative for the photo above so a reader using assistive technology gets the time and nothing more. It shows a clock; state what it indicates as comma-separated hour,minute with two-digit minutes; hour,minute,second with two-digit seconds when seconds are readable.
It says 9,39
